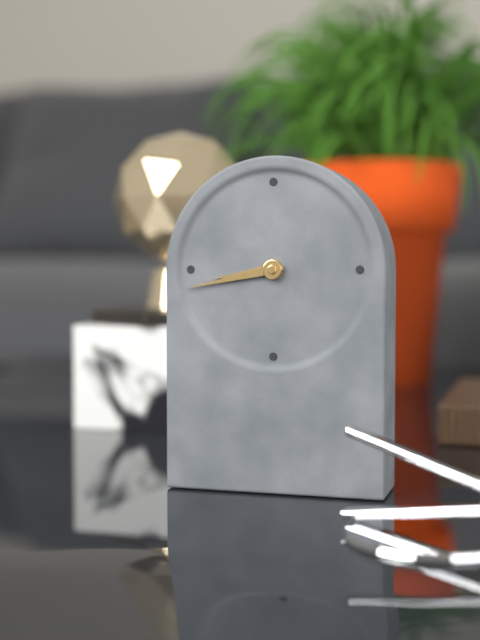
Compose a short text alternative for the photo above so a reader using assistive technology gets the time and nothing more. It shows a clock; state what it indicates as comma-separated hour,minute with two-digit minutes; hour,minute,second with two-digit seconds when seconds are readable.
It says 8,43
